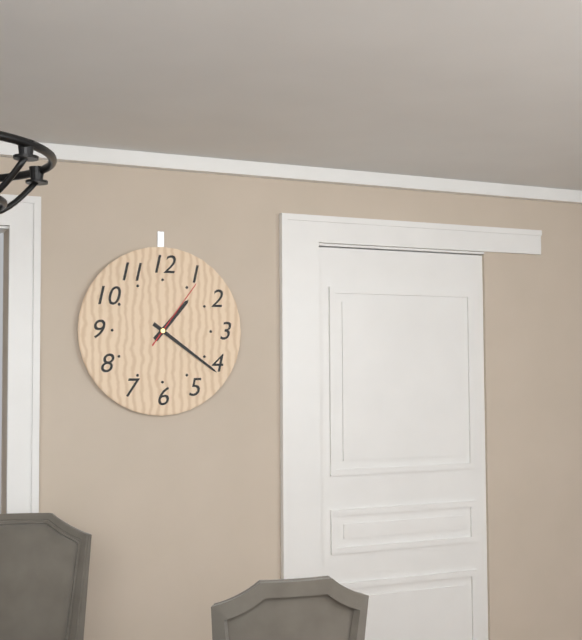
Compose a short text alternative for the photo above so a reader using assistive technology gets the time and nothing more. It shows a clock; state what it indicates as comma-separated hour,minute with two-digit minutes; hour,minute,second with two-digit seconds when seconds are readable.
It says 1,21,06
